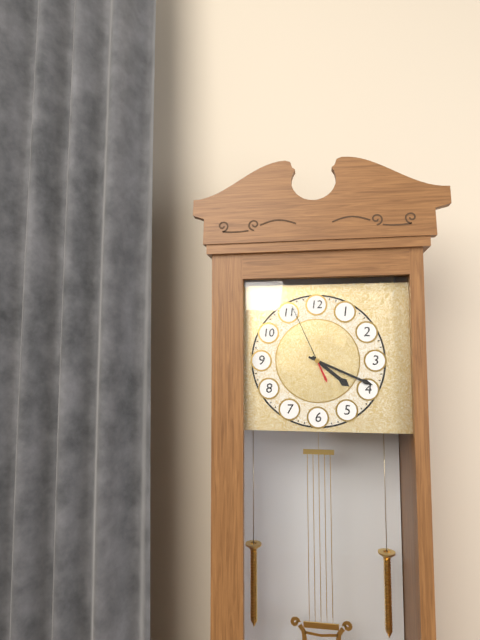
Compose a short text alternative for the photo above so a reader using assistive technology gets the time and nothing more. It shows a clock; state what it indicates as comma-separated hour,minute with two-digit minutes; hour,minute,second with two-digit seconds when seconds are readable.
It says 4,19,56
